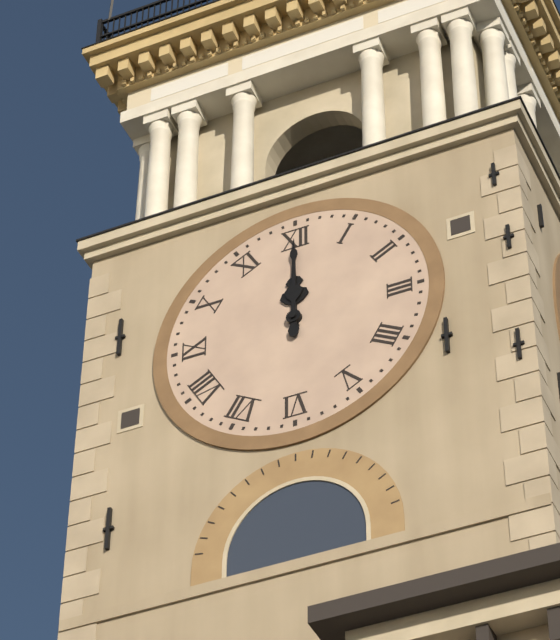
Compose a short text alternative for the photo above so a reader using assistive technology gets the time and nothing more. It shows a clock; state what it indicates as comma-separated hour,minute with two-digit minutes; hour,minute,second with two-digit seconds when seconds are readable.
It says 12,00
